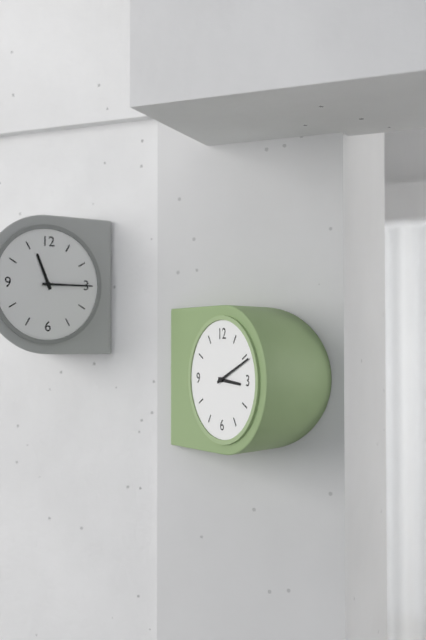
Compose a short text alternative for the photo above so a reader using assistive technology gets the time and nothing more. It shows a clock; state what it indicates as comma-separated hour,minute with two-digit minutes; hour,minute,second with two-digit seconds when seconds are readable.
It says 3,11
